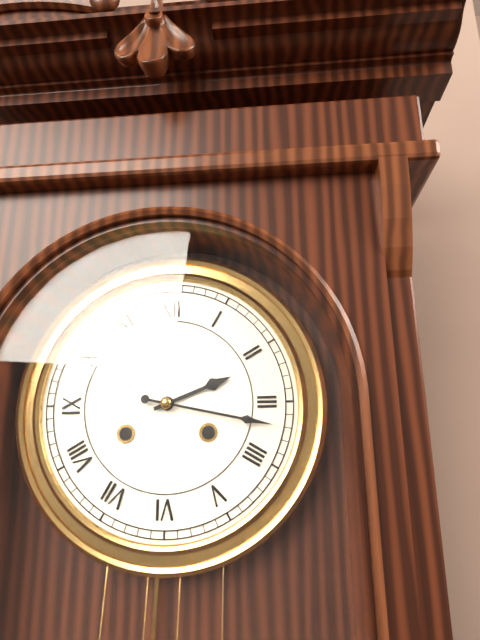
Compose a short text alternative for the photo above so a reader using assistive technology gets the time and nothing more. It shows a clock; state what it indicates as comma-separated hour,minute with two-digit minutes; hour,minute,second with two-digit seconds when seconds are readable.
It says 2,17
